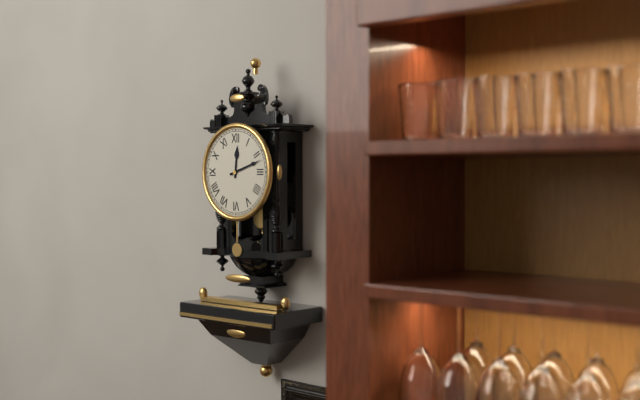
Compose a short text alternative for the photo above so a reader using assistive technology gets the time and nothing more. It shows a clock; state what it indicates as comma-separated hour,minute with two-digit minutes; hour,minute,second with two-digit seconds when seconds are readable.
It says 12,12
